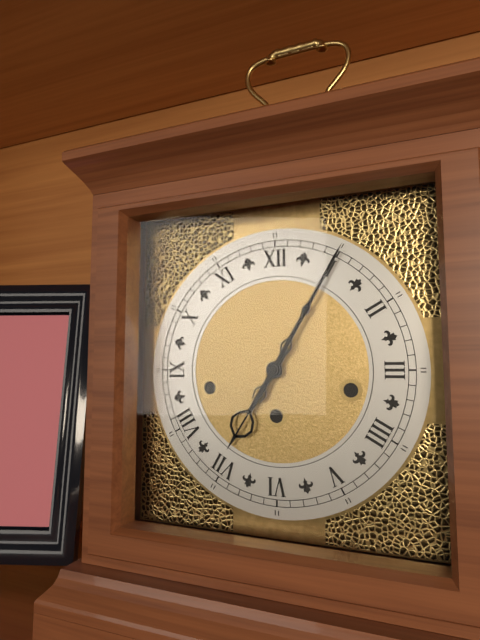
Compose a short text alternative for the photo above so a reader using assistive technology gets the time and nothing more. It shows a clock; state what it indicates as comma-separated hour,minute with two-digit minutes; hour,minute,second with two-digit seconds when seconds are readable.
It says 7,05
